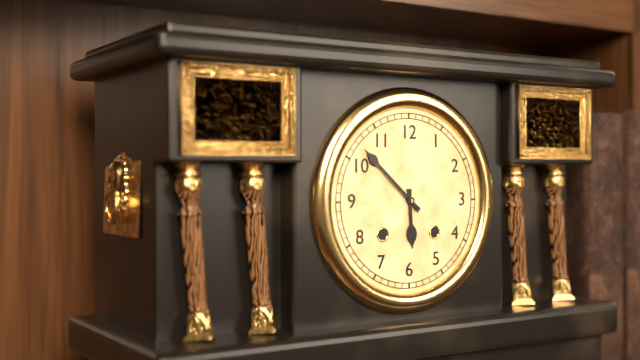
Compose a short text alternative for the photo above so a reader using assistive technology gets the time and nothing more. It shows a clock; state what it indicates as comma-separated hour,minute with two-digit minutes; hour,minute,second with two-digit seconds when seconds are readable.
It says 5,52
